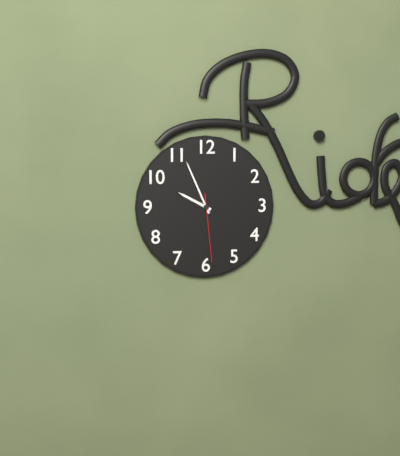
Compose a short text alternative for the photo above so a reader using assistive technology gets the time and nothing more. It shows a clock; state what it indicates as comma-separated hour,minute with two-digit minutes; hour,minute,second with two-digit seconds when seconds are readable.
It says 9,56,29
